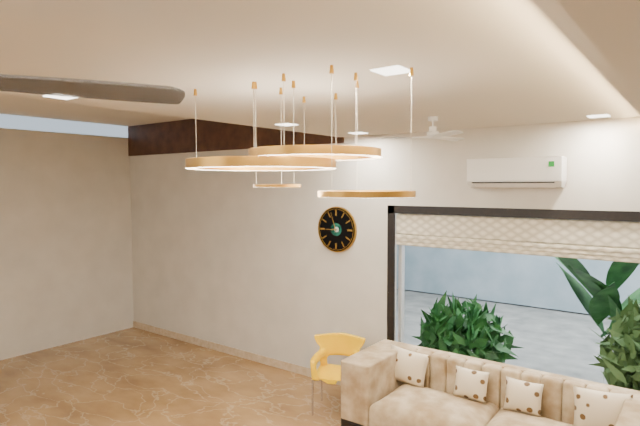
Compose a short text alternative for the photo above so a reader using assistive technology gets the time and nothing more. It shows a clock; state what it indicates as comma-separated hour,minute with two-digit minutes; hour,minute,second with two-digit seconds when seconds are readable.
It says 8,57
